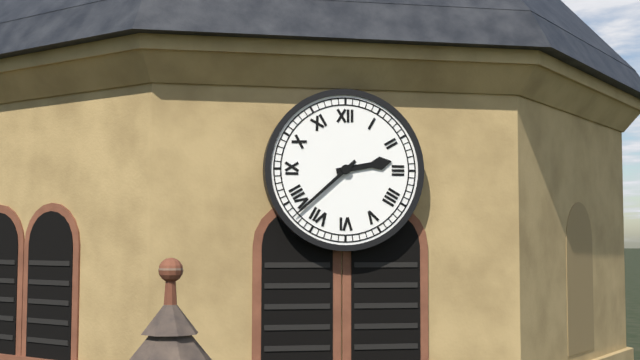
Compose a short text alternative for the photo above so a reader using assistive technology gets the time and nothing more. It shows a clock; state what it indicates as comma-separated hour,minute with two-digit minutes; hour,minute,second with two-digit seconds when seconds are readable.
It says 2,38
